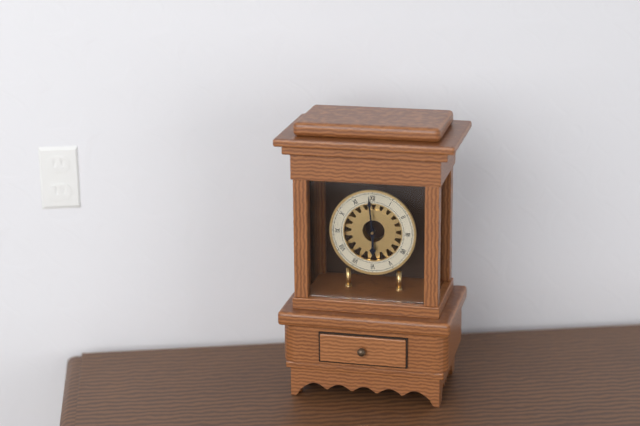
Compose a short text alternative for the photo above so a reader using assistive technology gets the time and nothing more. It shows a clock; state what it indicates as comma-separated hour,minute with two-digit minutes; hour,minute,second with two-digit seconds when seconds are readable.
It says 5,59
